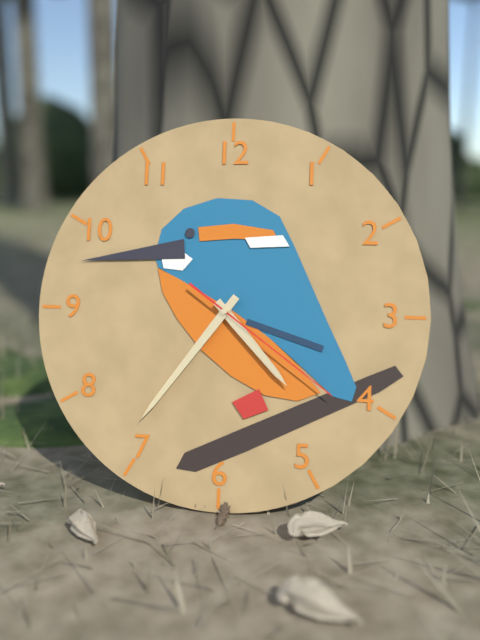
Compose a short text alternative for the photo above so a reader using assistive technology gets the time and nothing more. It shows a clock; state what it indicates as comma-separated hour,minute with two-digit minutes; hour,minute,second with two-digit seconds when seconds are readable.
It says 4,36,21
